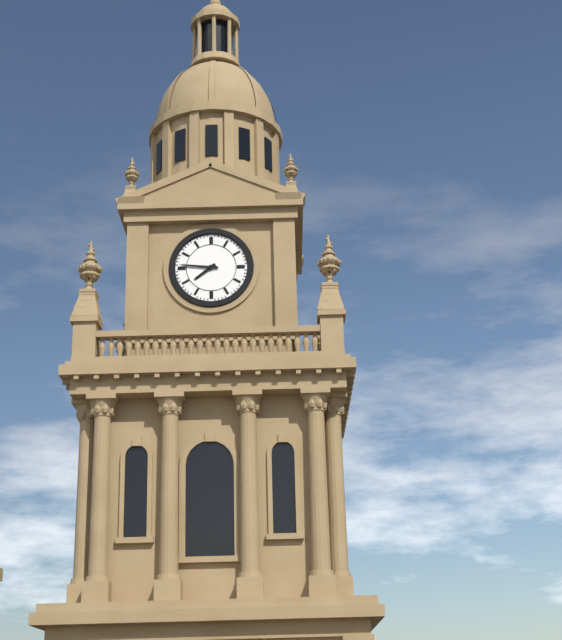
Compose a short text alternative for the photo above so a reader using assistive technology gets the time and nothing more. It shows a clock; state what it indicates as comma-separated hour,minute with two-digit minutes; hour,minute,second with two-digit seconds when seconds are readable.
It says 7,46
